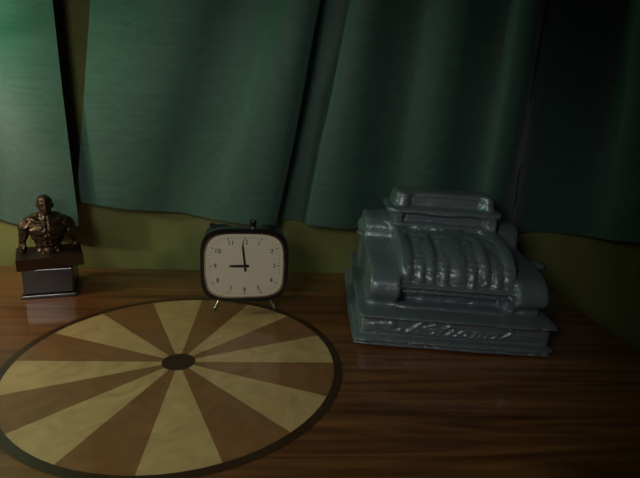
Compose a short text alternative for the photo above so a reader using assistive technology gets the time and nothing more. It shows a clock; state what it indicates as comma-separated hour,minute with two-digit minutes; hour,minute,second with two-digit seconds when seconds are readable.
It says 8,59
